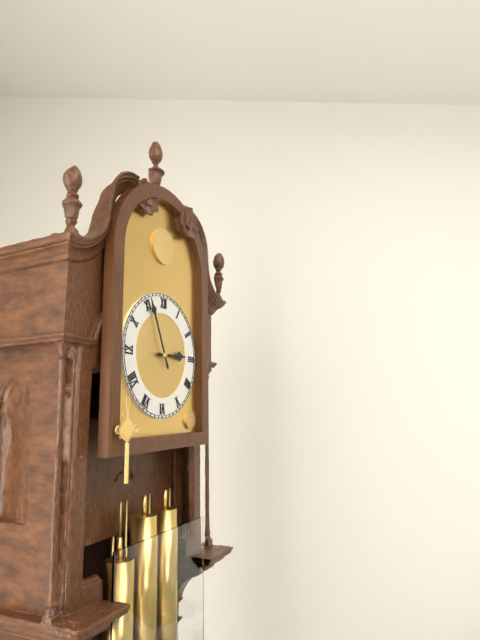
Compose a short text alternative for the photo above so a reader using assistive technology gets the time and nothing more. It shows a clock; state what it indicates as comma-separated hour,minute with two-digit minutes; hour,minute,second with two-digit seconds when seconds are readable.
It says 2,56
